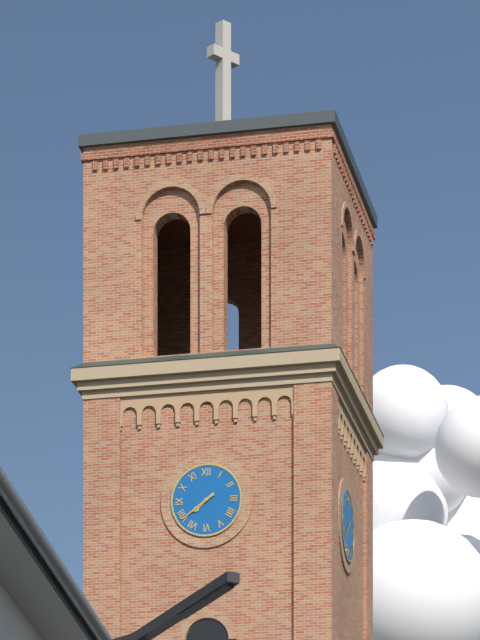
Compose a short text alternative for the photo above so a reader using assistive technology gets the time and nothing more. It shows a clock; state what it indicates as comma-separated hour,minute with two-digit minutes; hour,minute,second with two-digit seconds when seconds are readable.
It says 7,39
